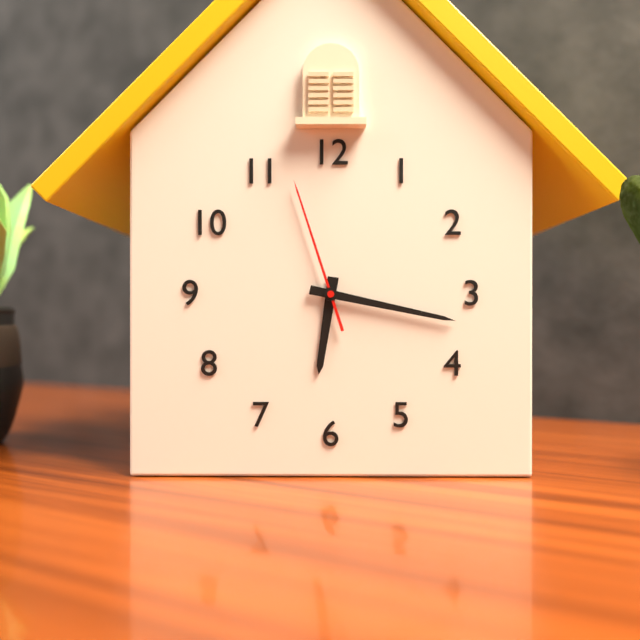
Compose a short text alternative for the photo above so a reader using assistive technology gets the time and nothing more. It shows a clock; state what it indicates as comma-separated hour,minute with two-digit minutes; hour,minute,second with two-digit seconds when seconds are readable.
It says 6,17,57
